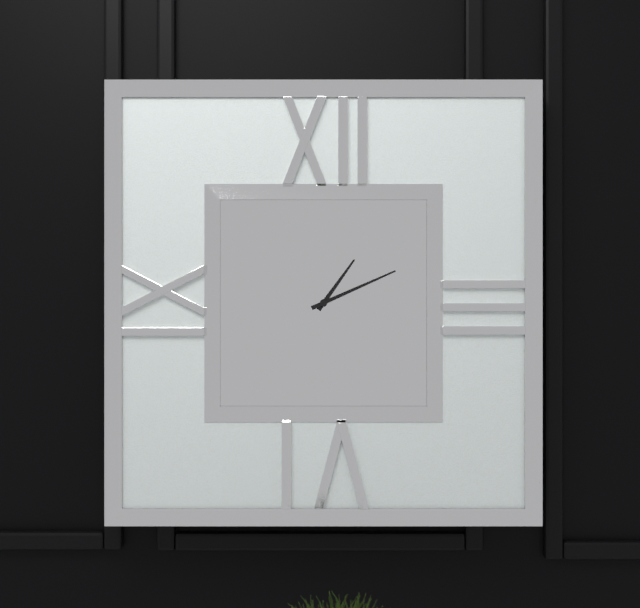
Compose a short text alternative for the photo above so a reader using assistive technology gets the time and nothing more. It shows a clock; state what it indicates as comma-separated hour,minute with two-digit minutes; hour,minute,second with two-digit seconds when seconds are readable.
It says 1,11
